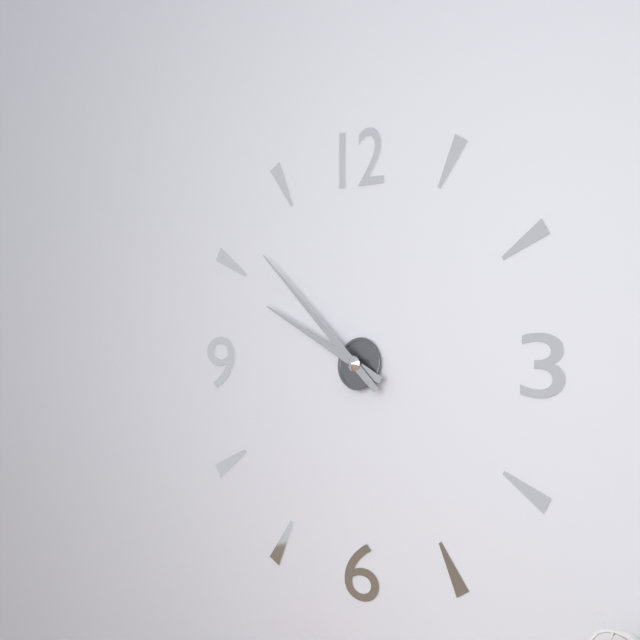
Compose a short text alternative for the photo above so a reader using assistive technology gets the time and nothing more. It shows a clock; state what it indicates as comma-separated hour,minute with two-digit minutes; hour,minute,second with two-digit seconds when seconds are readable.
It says 9,52
